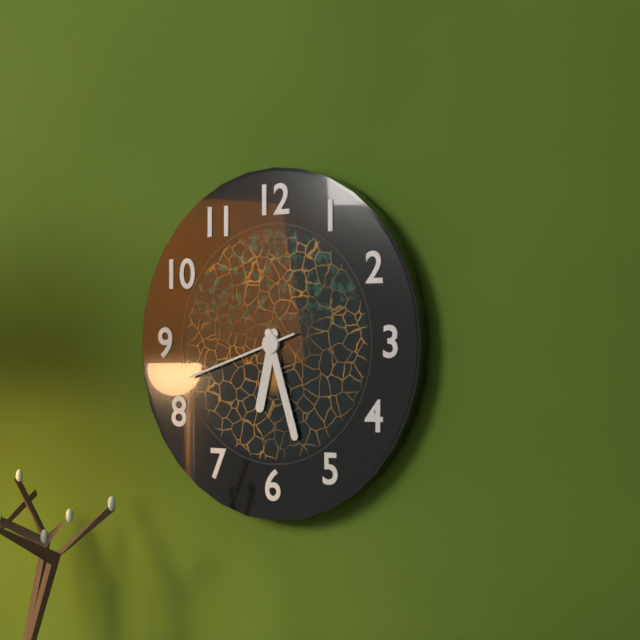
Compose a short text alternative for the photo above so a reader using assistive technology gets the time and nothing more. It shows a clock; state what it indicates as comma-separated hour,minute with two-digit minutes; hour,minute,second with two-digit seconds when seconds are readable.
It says 6,27,42
